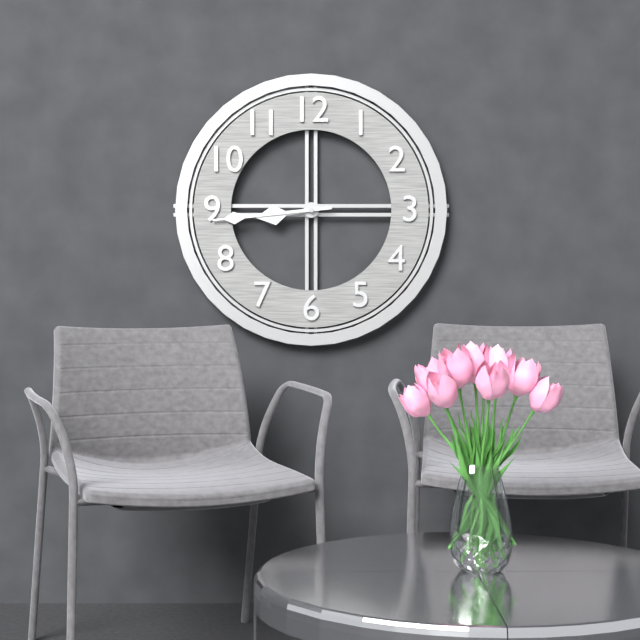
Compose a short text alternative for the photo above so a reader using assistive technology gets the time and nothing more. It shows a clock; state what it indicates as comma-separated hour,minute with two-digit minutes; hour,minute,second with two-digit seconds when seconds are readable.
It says 8,44
